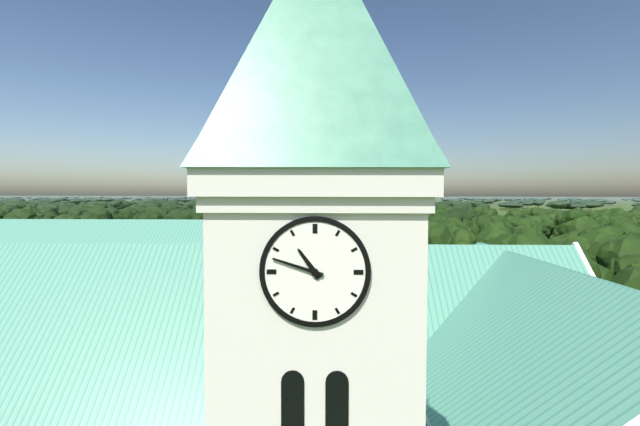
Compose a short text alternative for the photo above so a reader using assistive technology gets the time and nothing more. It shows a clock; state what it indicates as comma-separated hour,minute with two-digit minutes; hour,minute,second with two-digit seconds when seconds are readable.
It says 10,48
